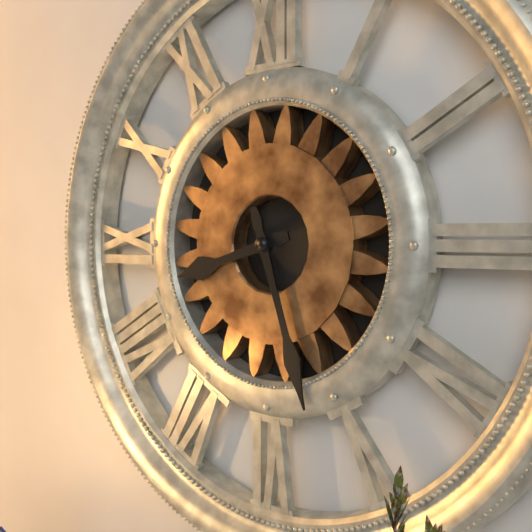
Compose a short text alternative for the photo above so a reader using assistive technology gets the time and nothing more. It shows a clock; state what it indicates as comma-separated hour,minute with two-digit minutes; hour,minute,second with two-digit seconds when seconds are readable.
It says 8,27
